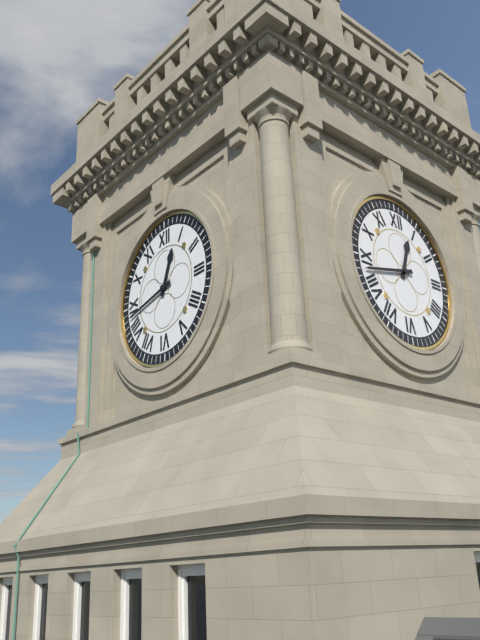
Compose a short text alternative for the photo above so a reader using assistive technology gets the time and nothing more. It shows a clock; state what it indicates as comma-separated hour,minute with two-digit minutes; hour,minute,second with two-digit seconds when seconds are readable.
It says 12,43
